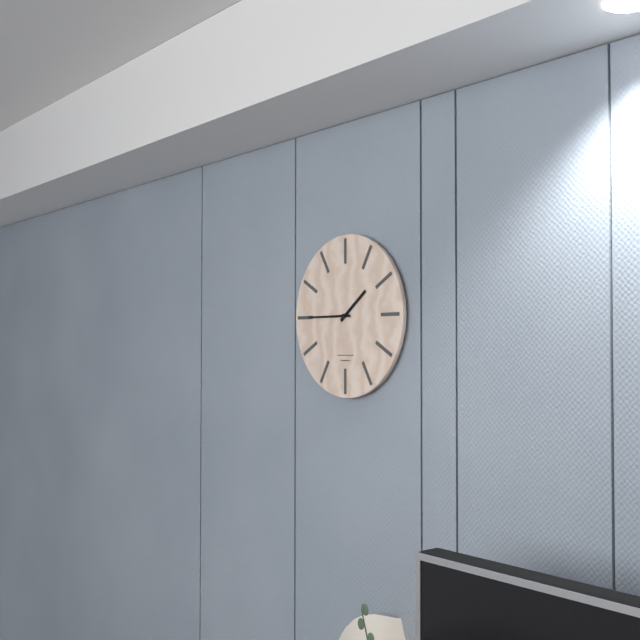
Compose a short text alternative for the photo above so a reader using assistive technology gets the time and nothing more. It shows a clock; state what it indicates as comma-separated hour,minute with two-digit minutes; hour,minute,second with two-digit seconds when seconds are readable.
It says 1,45
